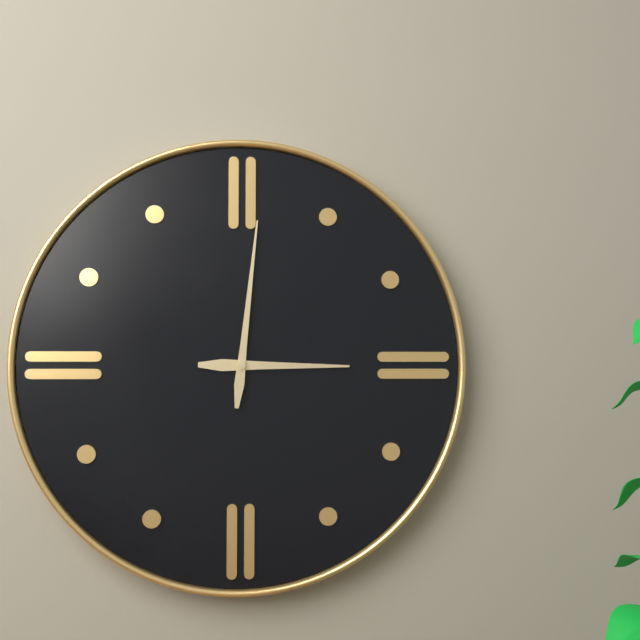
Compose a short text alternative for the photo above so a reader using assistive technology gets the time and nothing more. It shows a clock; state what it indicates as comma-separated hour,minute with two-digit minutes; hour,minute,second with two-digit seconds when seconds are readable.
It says 3,01
